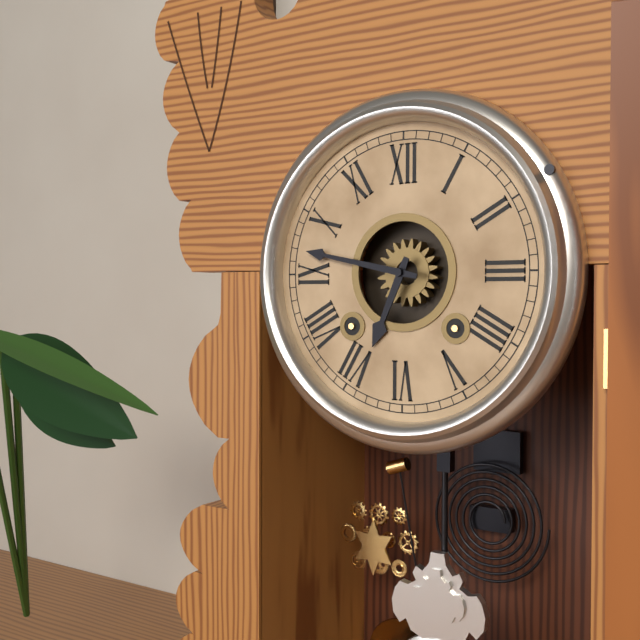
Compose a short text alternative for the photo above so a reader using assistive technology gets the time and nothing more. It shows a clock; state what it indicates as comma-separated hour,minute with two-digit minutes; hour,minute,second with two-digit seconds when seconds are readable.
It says 6,47
